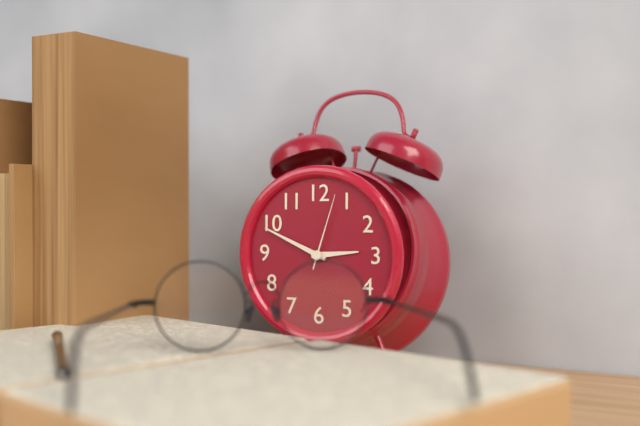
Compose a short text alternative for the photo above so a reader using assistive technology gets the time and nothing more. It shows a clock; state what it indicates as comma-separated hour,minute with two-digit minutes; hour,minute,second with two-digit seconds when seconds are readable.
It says 2,49,03
